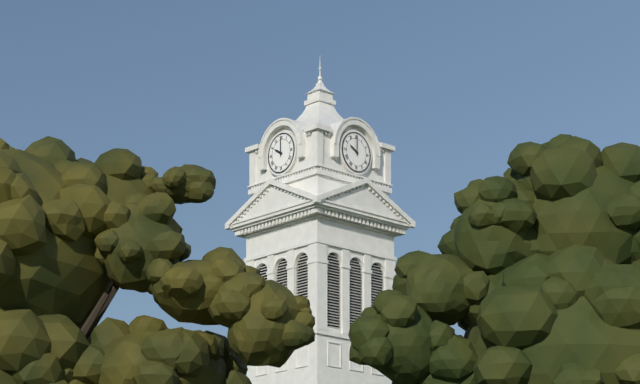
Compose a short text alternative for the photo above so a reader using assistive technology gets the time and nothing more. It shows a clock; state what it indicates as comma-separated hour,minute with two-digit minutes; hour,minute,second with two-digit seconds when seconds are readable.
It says 10,00
